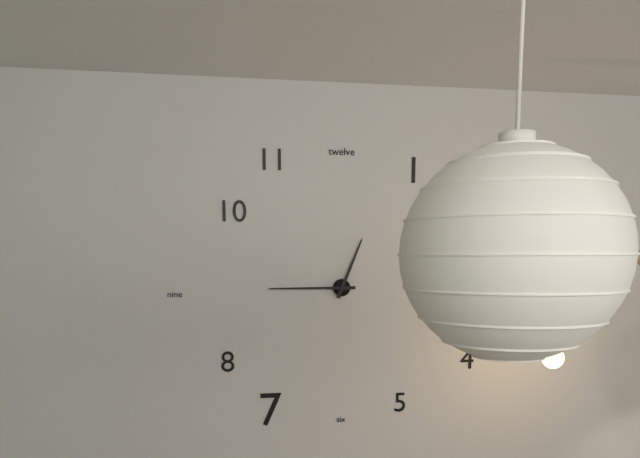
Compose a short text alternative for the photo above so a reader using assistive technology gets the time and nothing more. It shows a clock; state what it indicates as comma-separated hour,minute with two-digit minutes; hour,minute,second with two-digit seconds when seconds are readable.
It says 12,45
